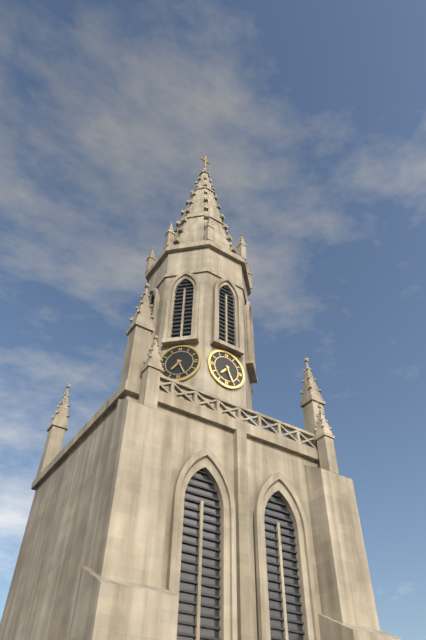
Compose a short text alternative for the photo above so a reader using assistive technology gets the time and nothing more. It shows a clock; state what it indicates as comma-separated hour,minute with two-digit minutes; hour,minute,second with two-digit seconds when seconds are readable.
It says 7,26
